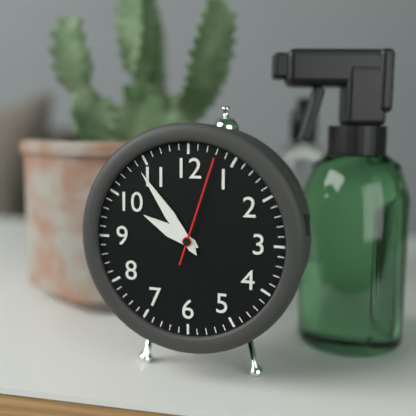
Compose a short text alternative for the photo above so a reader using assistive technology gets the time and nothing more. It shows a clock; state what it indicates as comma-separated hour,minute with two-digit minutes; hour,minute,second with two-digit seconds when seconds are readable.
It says 9,54,03
